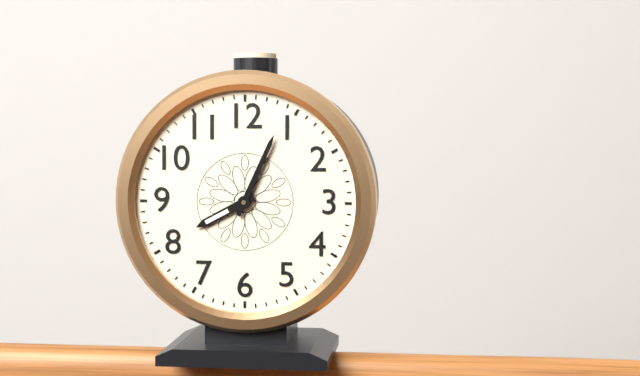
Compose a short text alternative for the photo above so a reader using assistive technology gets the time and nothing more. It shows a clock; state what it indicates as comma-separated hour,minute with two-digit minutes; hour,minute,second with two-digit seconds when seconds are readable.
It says 8,04
